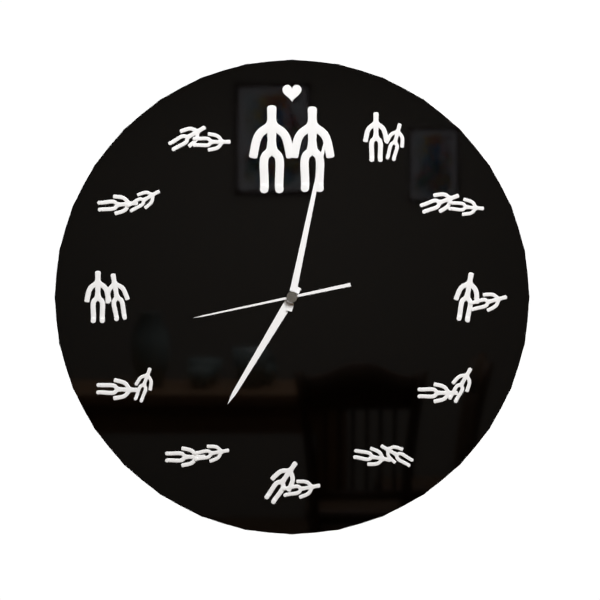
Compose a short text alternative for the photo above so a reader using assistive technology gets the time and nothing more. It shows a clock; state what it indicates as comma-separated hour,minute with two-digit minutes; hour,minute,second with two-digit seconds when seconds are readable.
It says 7,02,43
